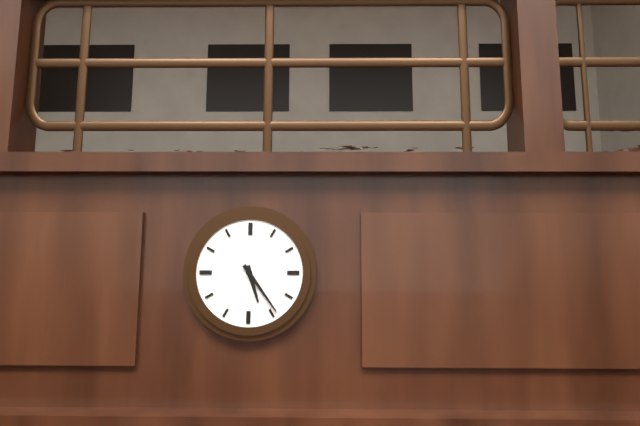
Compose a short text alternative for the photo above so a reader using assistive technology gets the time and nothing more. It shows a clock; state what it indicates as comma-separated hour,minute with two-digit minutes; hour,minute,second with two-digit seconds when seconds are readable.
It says 5,24
